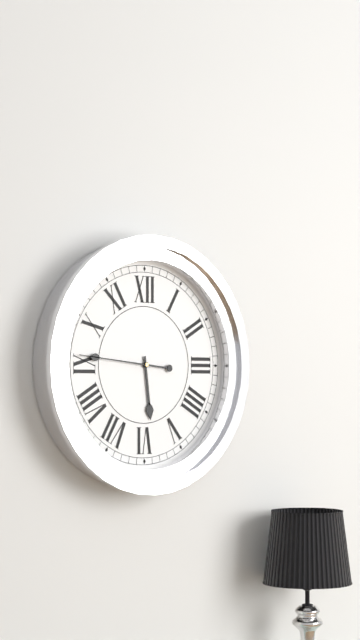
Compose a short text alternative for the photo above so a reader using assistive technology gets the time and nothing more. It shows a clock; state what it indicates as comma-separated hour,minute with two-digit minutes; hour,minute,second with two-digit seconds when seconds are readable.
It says 5,46
